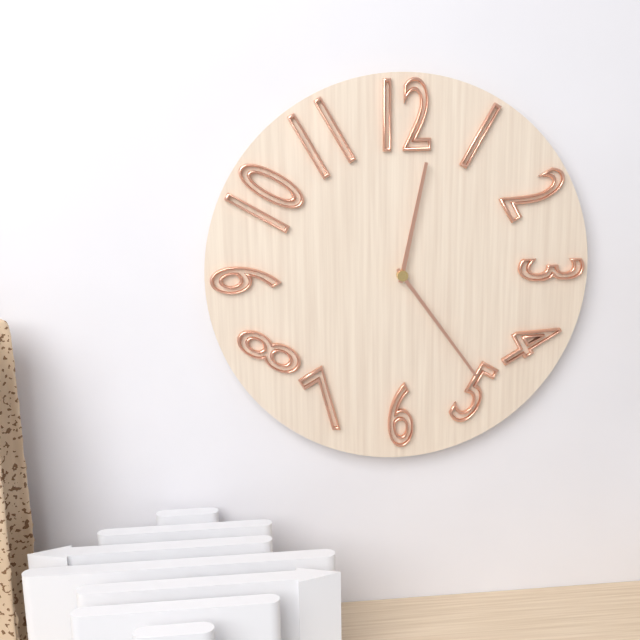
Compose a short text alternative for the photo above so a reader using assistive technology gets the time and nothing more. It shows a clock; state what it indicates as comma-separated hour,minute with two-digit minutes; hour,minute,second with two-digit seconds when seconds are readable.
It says 12,24
